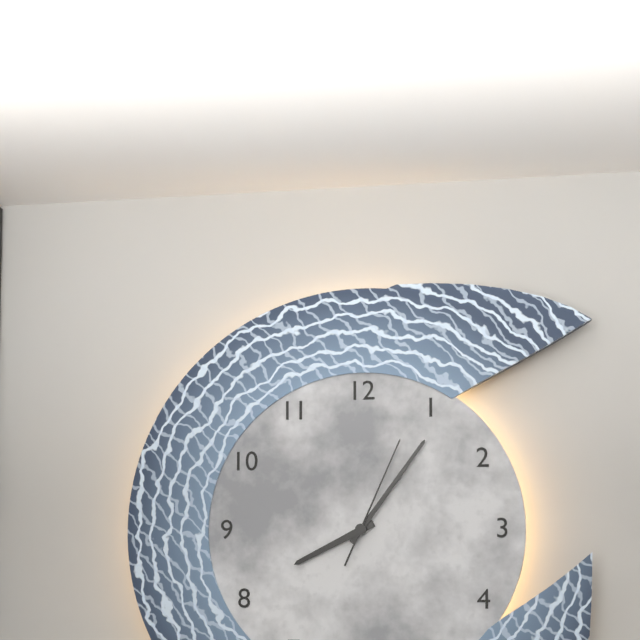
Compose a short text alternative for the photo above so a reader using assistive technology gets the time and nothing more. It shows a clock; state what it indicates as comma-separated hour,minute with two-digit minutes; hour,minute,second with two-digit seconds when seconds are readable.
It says 8,06,04
